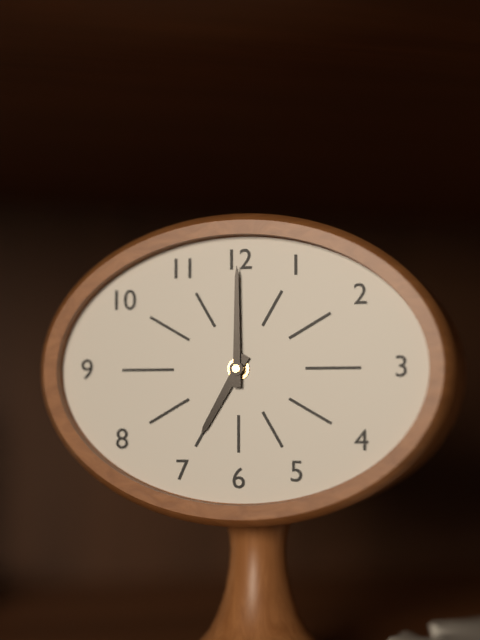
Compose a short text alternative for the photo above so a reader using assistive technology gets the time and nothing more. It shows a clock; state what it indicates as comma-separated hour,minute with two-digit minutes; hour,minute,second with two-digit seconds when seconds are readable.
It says 7,00
